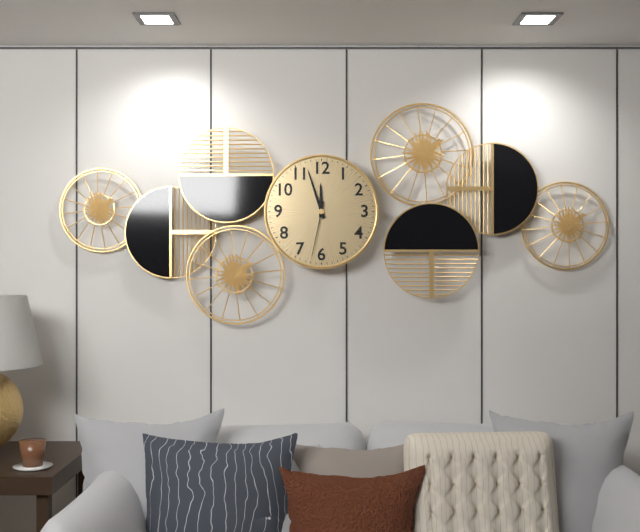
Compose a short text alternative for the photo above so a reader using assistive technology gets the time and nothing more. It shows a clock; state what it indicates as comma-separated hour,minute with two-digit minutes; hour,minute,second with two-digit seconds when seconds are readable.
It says 11,57,32
